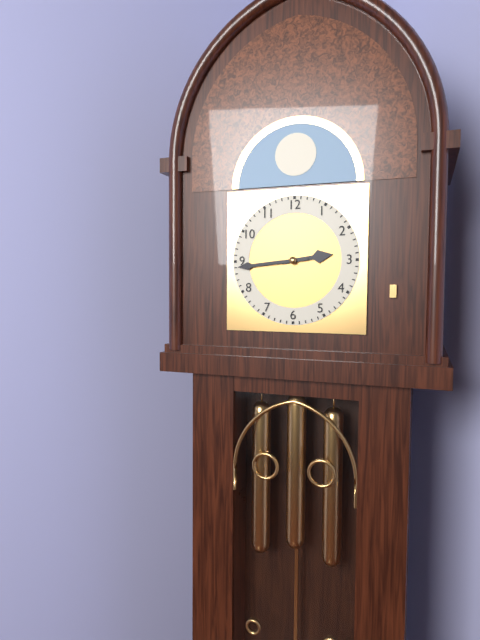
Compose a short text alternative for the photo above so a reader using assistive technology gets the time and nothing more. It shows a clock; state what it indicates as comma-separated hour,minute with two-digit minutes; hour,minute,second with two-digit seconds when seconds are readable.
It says 2,44
